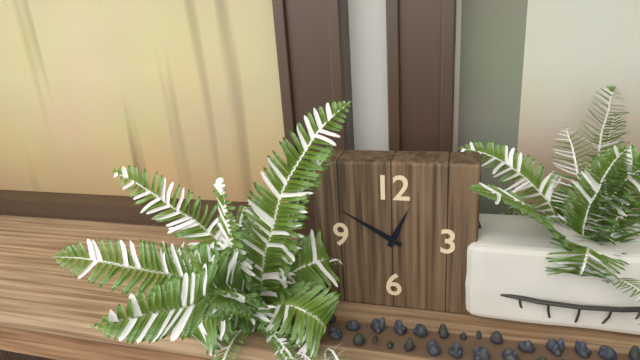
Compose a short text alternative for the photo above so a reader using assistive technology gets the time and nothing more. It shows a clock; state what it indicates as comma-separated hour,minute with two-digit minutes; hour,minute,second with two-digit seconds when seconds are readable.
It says 12,50
